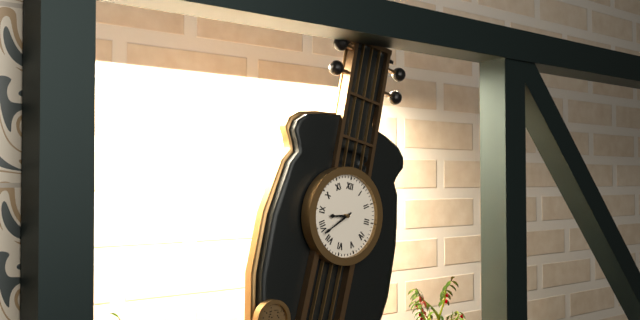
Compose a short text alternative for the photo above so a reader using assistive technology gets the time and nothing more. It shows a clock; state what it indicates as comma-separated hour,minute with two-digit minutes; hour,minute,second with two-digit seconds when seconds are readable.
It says 8,38
